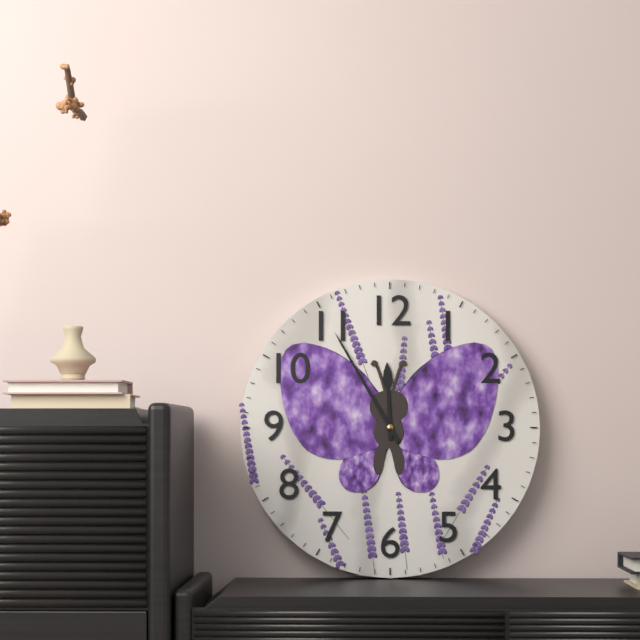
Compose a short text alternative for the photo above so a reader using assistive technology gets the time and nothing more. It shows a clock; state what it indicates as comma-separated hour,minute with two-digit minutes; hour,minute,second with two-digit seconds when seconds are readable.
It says 11,55
